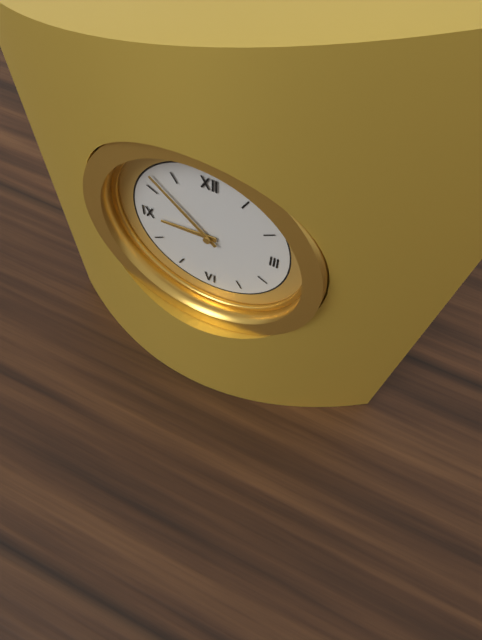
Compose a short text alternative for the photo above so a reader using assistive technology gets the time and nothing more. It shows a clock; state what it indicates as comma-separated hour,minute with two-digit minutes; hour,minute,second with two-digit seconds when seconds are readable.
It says 8,52
